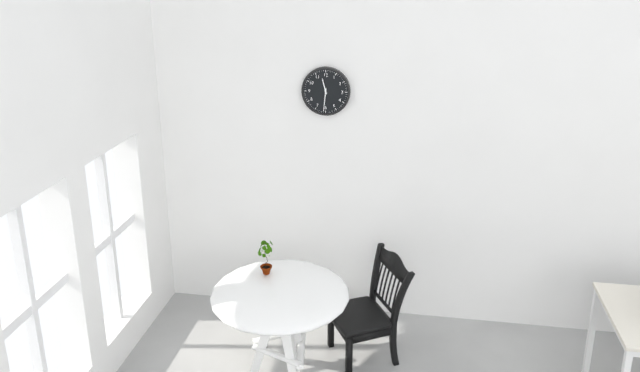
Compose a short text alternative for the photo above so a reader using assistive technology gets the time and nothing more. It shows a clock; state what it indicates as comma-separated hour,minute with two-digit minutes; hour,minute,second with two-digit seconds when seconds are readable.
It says 11,31
